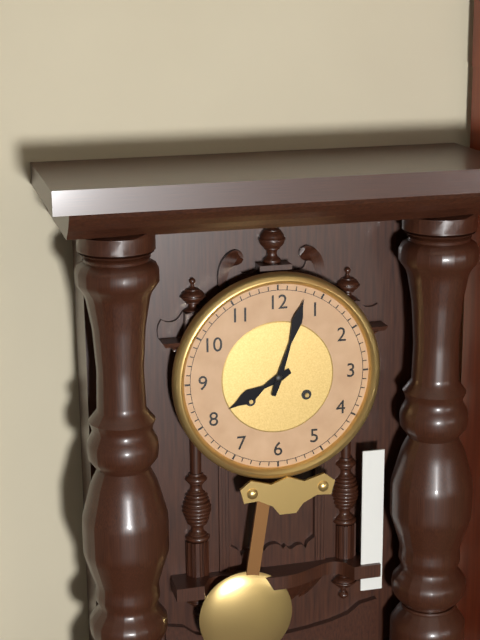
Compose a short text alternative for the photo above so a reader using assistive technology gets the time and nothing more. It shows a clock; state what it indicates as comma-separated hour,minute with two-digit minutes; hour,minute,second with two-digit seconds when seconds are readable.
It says 8,03
